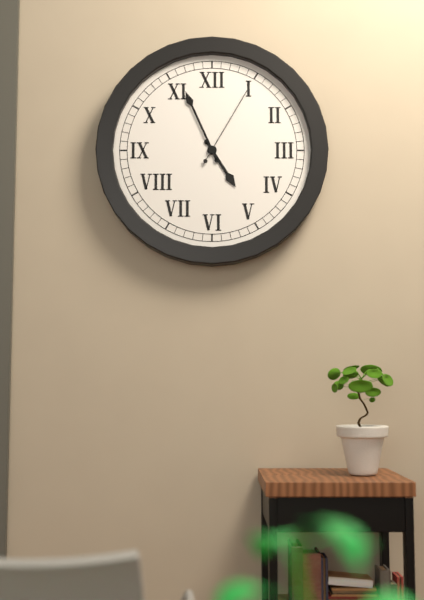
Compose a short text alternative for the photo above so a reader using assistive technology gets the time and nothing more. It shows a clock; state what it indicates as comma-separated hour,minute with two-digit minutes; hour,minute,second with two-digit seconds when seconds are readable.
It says 4,56,05
